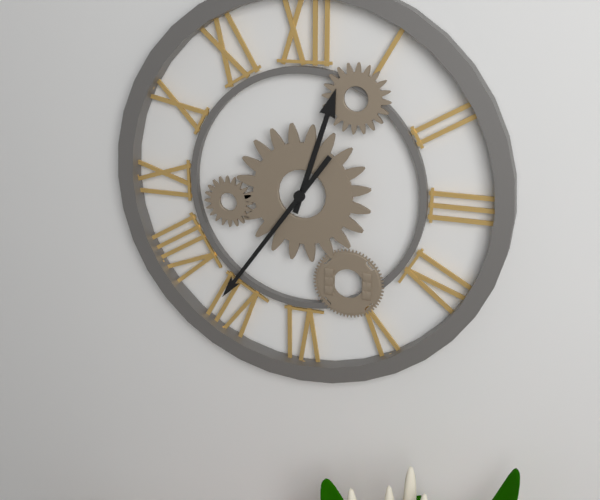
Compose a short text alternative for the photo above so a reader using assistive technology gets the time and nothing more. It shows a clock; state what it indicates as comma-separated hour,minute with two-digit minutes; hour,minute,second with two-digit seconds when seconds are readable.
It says 12,36
